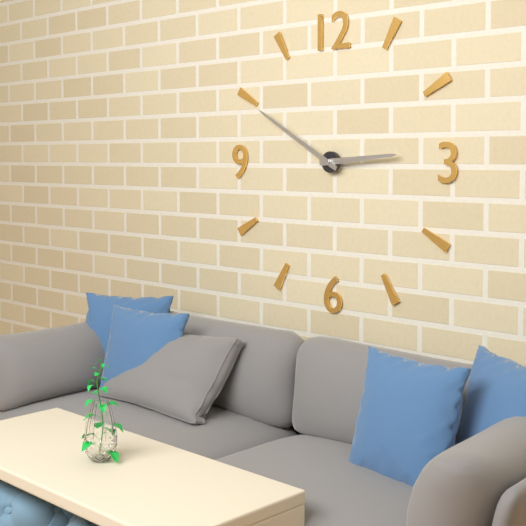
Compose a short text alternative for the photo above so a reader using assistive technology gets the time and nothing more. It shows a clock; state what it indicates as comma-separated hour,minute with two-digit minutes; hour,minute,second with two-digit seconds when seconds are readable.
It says 2,50
